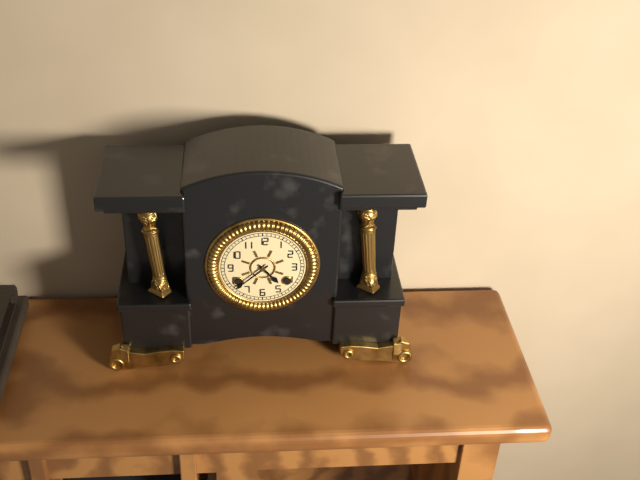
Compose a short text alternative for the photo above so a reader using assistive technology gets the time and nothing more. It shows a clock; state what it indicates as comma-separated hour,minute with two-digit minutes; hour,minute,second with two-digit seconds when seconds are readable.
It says 4,38
